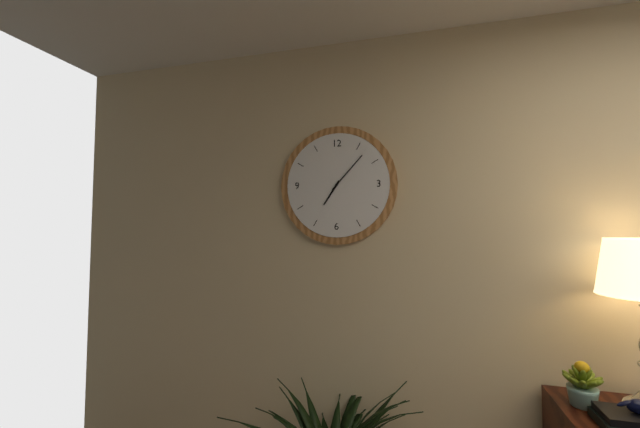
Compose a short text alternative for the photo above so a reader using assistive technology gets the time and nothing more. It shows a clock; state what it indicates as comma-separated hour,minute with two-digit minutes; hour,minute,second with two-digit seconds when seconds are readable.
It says 7,07
